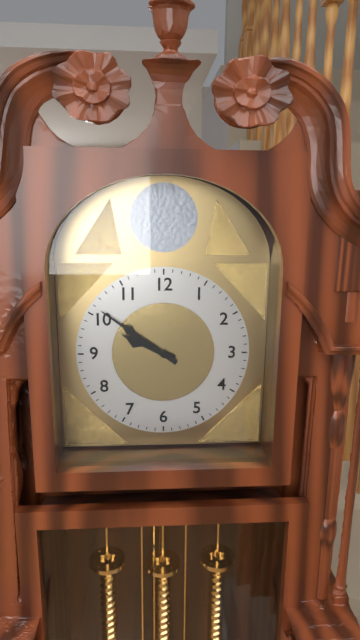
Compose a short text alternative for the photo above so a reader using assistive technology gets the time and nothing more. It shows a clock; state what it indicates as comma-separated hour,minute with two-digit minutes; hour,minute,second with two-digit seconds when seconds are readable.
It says 9,51
